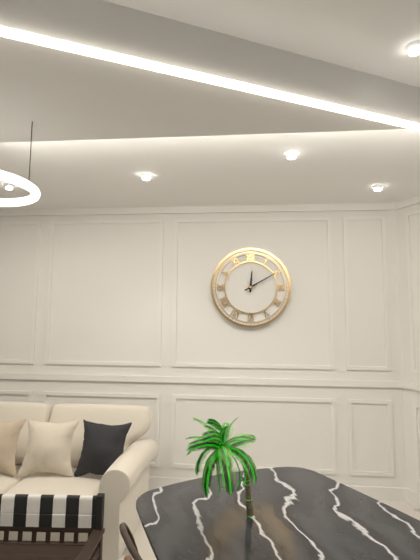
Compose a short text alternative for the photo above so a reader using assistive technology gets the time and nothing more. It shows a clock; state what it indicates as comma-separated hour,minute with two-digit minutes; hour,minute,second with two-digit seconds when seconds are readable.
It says 12,10
